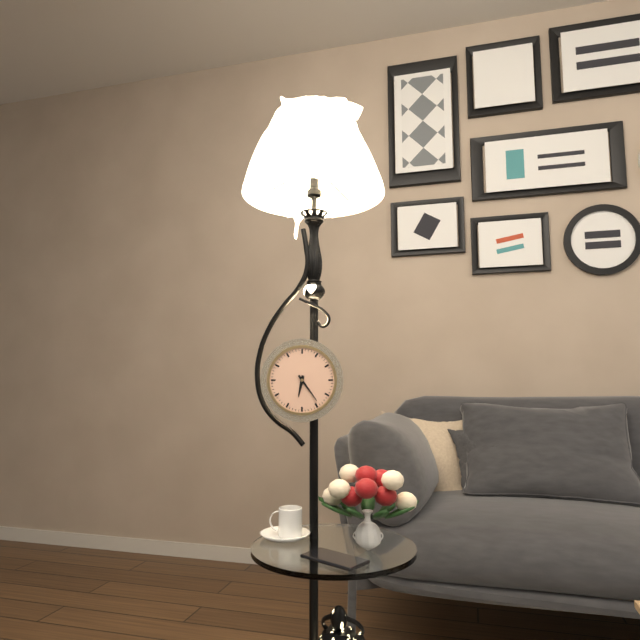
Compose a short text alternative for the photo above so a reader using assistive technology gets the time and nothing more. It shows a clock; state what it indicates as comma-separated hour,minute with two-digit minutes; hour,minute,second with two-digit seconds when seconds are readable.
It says 6,24
